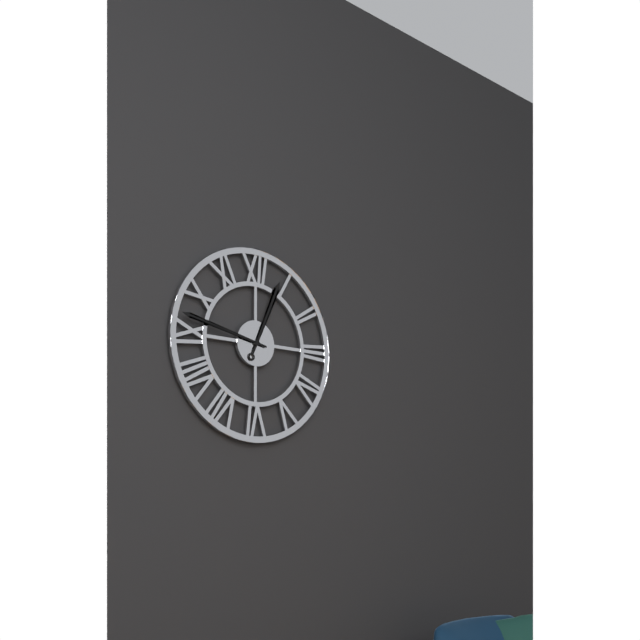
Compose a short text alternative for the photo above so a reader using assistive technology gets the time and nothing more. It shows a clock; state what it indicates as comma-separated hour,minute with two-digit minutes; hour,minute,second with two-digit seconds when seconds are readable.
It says 12,47
